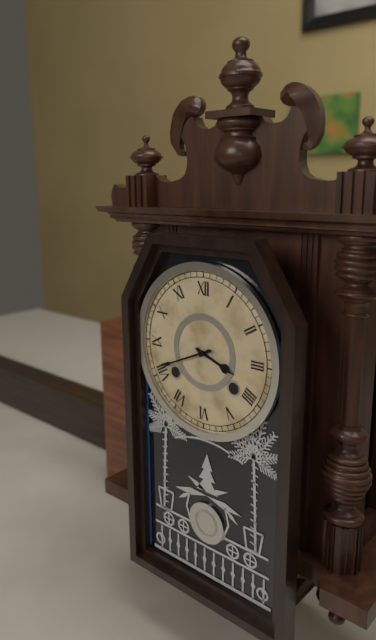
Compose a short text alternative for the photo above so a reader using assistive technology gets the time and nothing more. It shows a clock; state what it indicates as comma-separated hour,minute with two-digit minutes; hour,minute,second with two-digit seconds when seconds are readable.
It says 3,41
